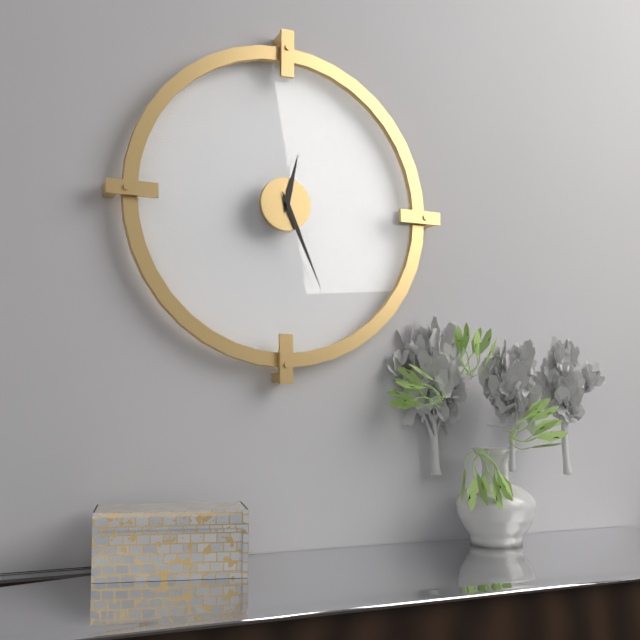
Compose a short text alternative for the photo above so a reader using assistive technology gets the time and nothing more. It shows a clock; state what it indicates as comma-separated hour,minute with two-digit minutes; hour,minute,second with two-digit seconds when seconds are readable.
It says 12,26
